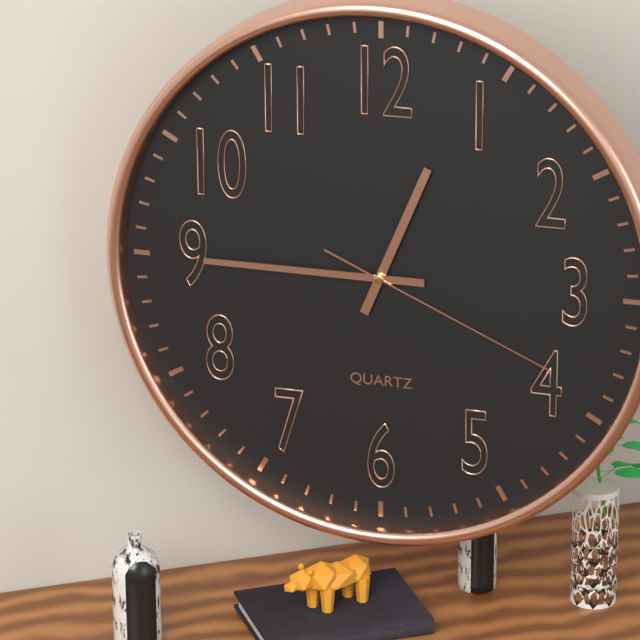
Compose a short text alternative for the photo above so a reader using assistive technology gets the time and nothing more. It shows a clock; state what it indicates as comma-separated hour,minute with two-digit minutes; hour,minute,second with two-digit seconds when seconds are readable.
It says 12,45,19
